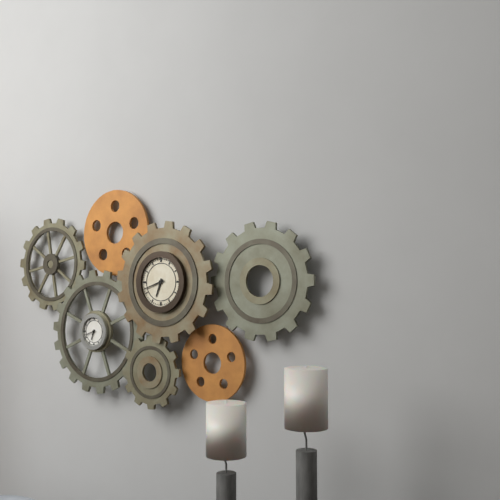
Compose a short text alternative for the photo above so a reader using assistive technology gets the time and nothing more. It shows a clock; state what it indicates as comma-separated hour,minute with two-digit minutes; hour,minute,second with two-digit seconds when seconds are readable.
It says 6,42
